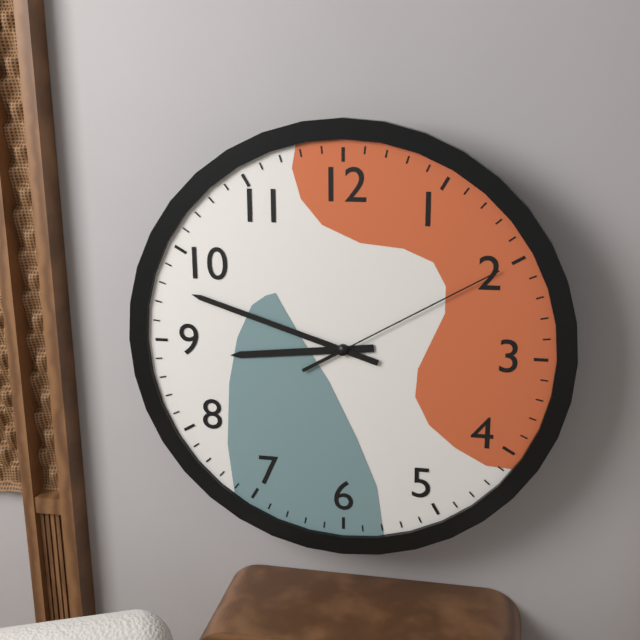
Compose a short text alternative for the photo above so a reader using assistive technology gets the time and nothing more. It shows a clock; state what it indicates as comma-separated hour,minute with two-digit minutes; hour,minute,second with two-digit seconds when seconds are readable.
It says 8,48,10
